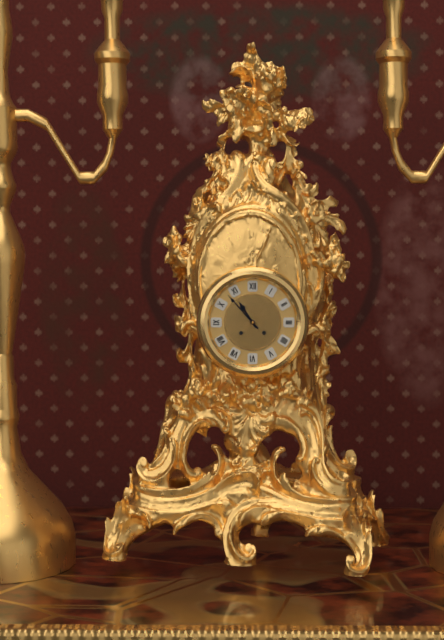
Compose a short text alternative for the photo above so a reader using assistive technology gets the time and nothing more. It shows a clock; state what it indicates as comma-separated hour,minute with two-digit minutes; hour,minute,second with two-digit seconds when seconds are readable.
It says 10,53
